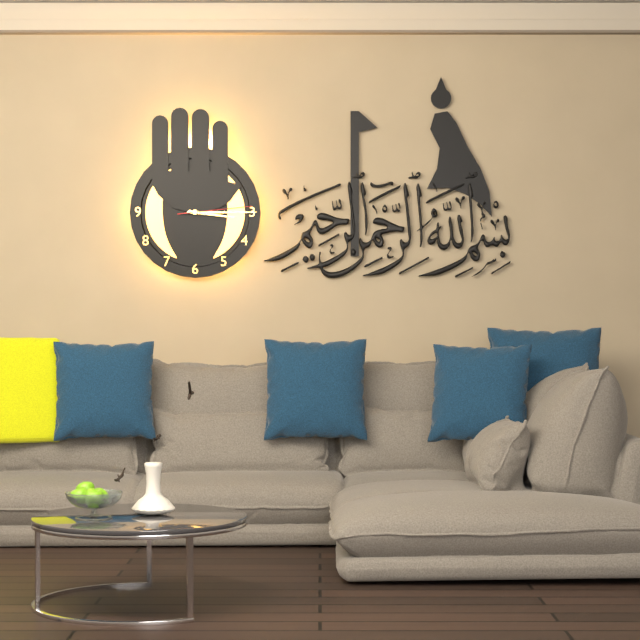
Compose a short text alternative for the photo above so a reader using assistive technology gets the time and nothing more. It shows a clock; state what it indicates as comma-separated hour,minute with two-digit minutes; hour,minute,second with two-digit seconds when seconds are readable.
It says 3,15,14
